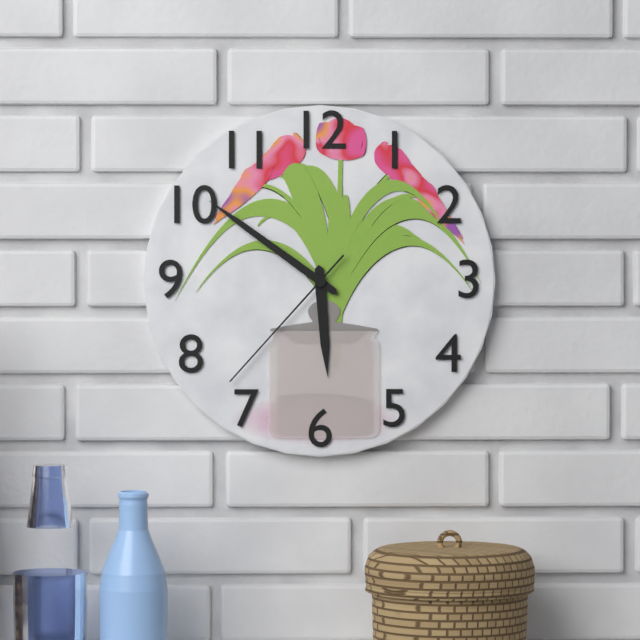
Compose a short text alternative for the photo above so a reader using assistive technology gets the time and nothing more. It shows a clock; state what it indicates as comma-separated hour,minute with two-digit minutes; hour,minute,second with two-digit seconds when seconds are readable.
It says 5,51,37
